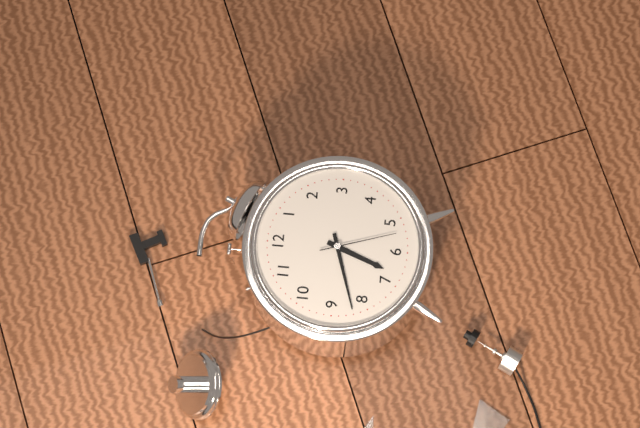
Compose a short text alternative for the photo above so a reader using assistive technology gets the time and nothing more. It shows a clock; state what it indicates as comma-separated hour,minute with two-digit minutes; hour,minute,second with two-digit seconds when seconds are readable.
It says 6,42,27
